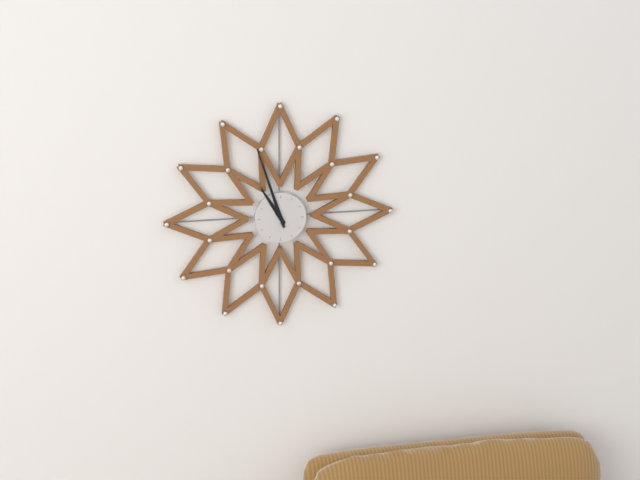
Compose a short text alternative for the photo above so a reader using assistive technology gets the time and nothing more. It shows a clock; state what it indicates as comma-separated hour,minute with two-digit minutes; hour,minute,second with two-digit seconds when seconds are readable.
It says 10,57
